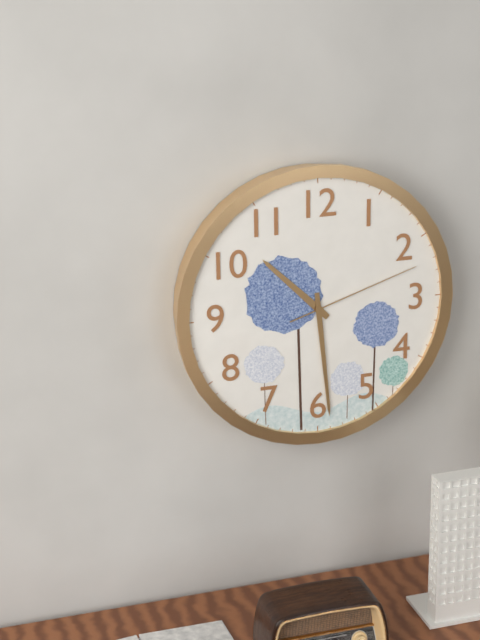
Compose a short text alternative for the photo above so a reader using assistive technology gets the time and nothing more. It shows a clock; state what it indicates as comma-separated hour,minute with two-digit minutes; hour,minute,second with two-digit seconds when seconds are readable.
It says 10,29,12
